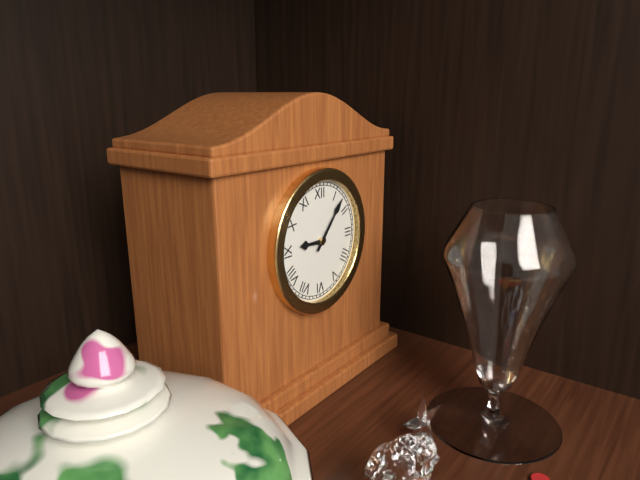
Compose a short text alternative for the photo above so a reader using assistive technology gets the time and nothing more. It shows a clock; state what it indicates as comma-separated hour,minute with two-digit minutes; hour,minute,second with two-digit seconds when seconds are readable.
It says 9,07
